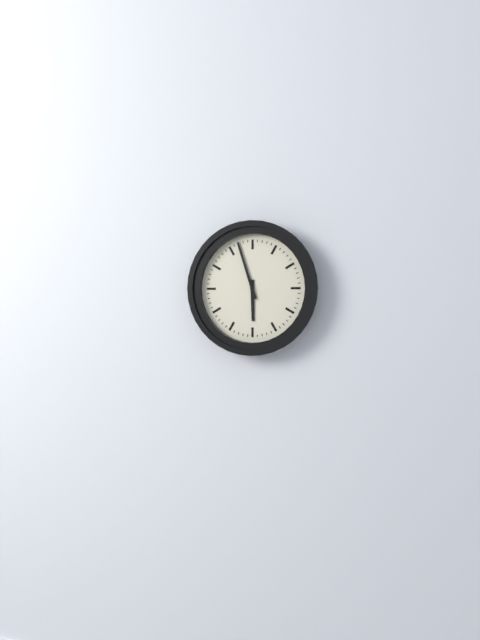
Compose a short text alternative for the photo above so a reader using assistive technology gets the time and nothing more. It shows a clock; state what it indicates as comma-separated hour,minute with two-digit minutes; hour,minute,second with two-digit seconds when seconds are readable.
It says 5,57
